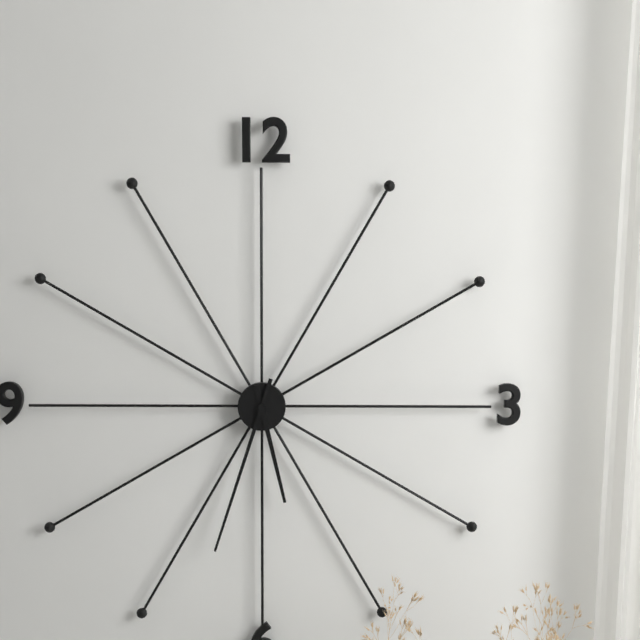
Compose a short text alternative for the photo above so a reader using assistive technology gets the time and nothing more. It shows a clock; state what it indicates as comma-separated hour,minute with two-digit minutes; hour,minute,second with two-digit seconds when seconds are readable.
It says 5,33
